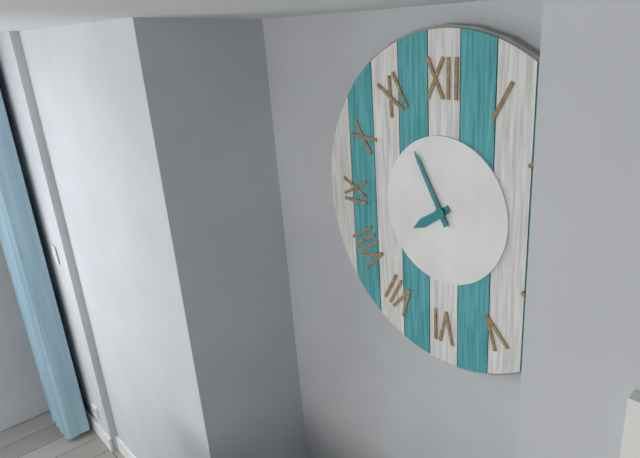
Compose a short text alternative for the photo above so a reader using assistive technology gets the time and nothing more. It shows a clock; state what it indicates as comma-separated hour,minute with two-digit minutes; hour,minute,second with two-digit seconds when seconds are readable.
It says 7,55
